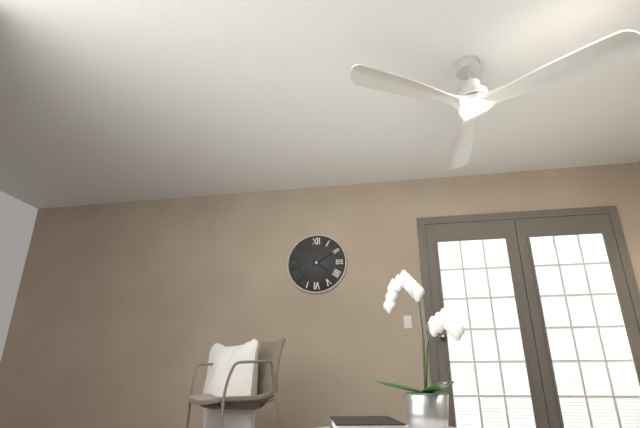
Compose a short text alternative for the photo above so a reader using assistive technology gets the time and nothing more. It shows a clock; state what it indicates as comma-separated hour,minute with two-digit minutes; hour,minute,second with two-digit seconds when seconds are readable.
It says 4,10
